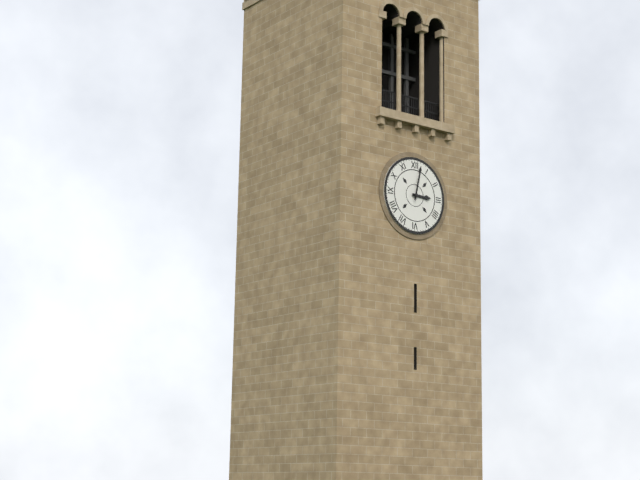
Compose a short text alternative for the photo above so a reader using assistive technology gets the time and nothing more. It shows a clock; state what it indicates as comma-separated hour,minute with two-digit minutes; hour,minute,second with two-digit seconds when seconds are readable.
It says 3,02
